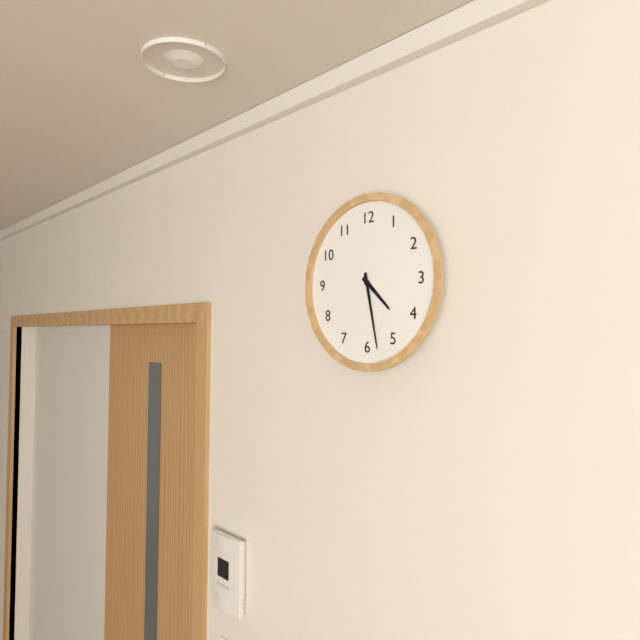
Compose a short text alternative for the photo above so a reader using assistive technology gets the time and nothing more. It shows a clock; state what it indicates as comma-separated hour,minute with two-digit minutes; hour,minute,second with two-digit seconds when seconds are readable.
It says 4,28
